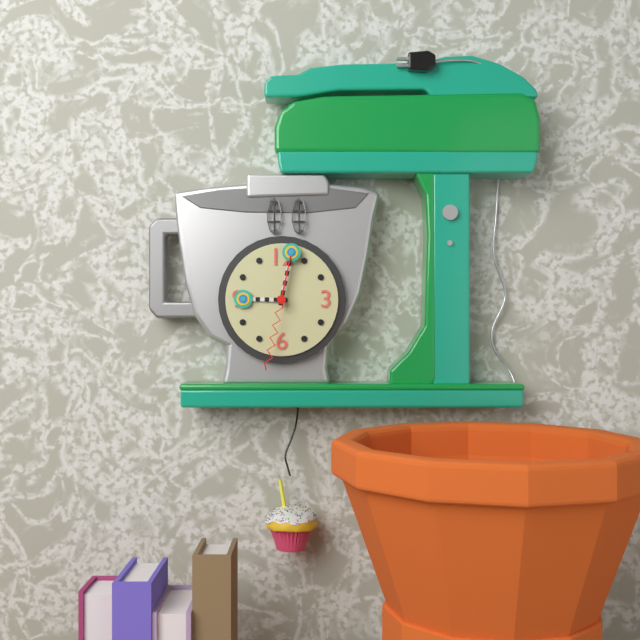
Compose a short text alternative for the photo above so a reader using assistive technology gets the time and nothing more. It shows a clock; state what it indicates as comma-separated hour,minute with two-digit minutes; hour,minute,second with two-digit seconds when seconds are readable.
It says 9,02,32
